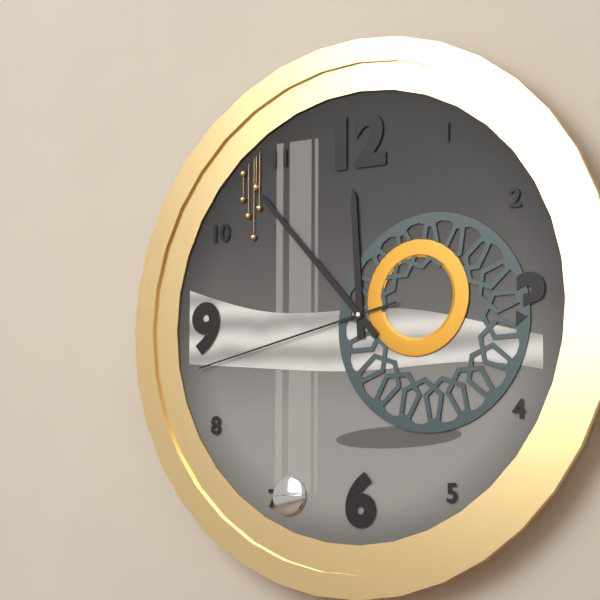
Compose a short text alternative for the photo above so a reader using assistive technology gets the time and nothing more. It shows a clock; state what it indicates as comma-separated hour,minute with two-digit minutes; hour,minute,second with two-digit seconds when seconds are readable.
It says 11,53,43
